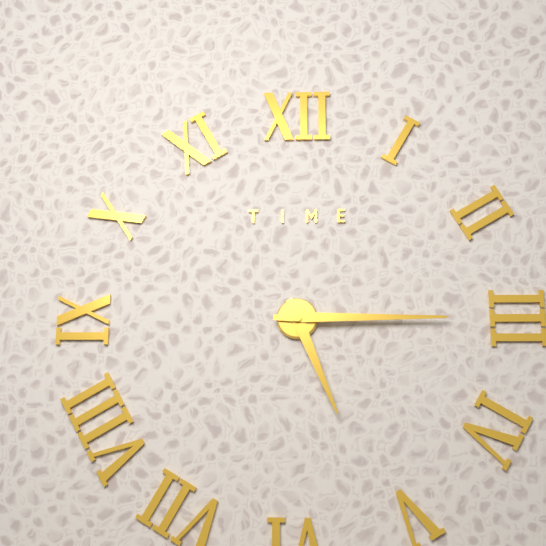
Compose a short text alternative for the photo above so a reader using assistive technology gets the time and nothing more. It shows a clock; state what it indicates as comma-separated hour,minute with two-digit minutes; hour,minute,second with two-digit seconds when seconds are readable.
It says 5,15
